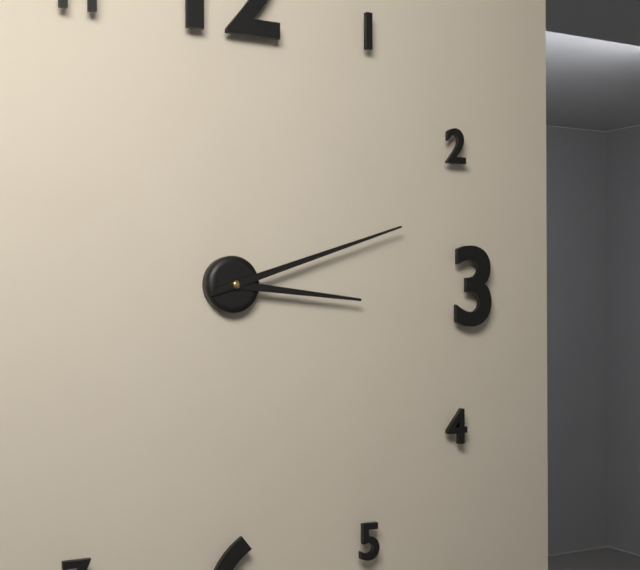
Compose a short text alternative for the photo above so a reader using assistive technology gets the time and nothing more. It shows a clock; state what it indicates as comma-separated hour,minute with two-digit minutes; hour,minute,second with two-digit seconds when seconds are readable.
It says 3,12
